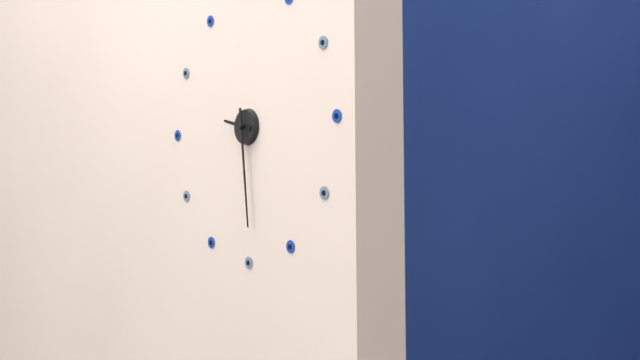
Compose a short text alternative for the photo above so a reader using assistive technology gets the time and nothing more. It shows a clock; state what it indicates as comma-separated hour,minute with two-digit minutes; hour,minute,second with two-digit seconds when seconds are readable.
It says 9,29
